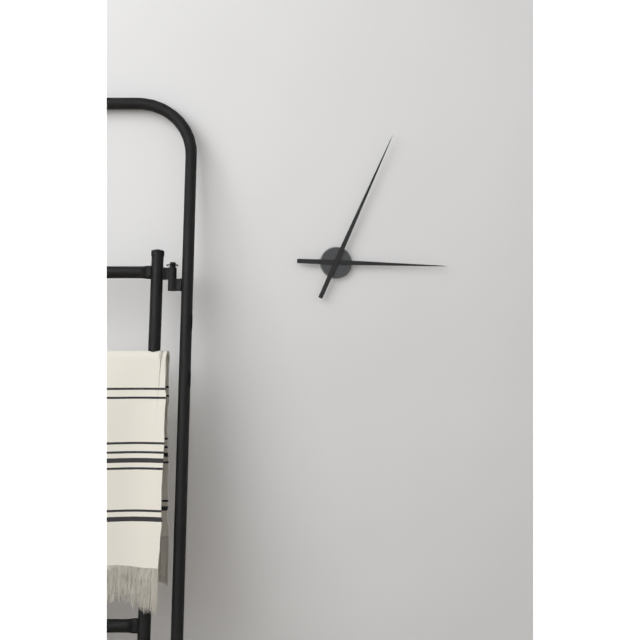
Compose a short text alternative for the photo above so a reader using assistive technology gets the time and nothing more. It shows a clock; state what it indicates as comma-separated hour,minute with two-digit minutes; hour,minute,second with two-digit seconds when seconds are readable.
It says 3,04
